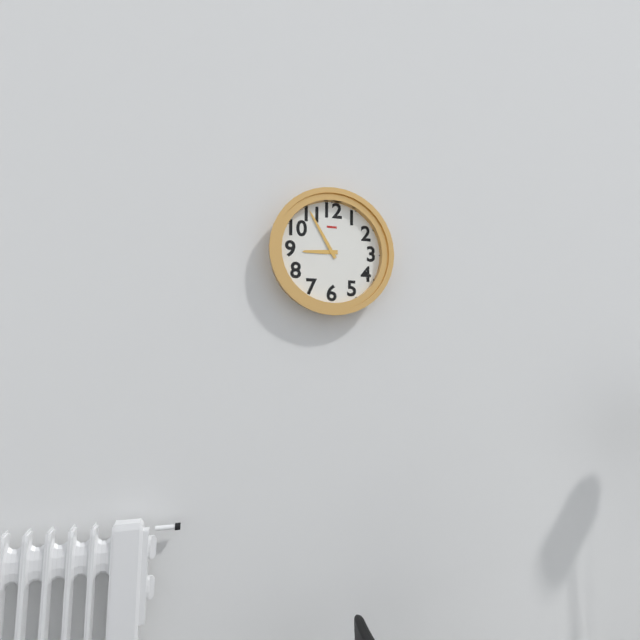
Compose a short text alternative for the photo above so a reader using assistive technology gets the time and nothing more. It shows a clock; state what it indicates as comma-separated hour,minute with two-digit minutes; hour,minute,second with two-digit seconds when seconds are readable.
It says 8,55
